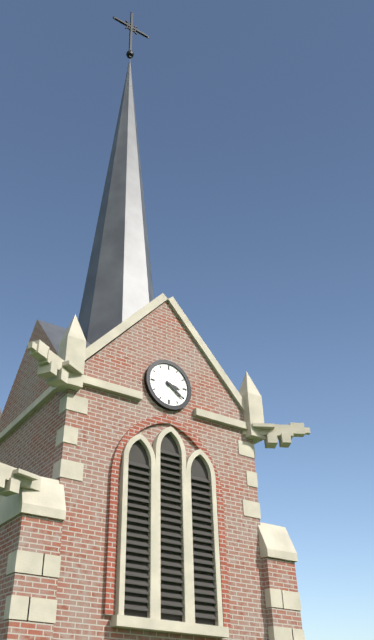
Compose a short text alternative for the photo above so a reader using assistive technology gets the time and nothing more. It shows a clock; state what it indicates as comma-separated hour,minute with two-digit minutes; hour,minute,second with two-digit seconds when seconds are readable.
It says 3,21
